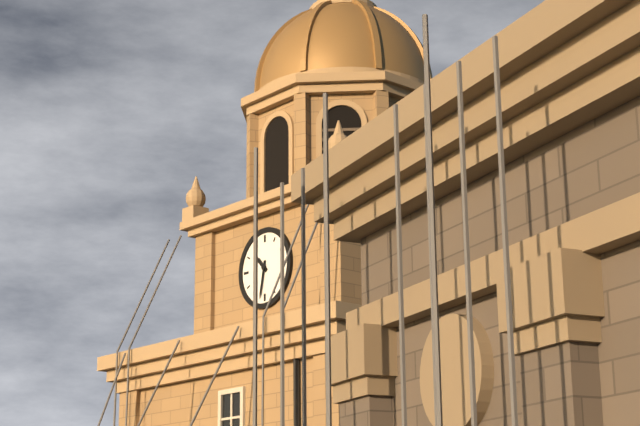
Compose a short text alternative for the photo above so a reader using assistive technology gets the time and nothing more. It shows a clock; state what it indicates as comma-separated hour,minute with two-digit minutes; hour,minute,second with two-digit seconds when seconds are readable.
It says 10,32
